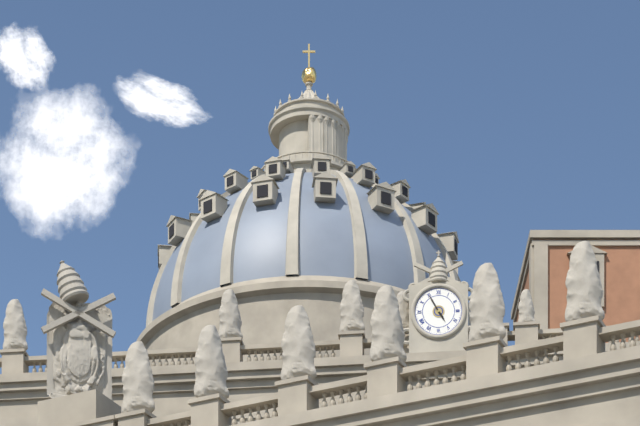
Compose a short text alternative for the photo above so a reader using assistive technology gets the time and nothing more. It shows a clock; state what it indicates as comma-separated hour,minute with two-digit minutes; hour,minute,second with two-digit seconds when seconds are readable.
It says 4,55
